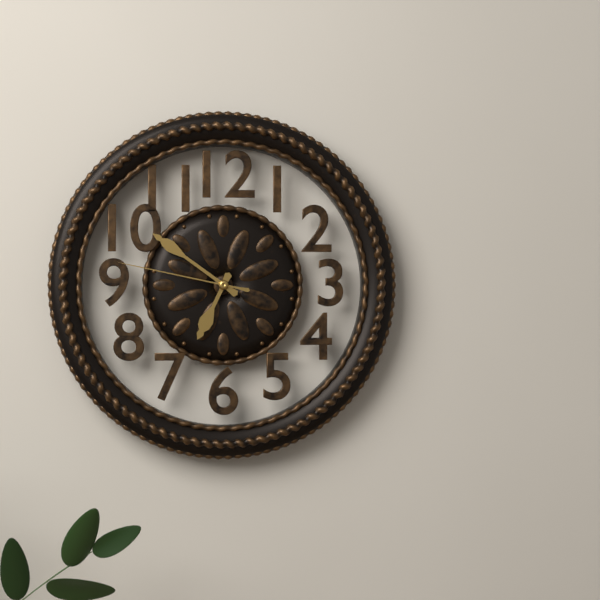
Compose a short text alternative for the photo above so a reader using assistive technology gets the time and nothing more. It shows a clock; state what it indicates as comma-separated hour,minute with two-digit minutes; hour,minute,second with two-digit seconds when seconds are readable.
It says 6,51,47
